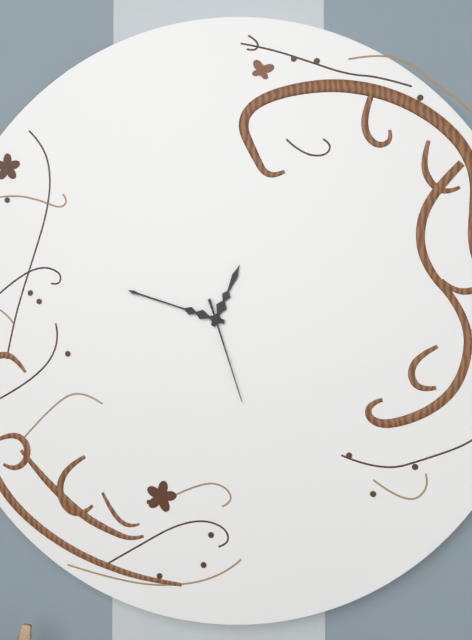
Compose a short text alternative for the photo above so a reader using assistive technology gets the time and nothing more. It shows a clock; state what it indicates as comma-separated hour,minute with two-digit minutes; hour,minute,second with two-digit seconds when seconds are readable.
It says 12,48,27
